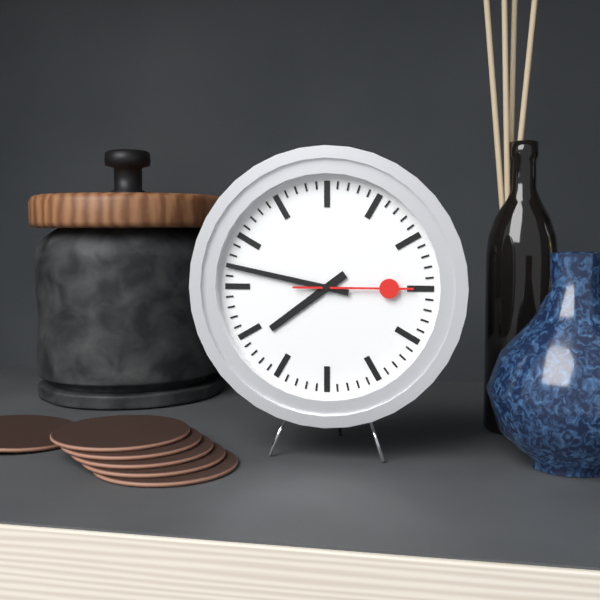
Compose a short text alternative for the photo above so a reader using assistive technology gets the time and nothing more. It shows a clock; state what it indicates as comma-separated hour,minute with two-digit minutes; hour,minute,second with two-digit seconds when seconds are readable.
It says 7,47,15
